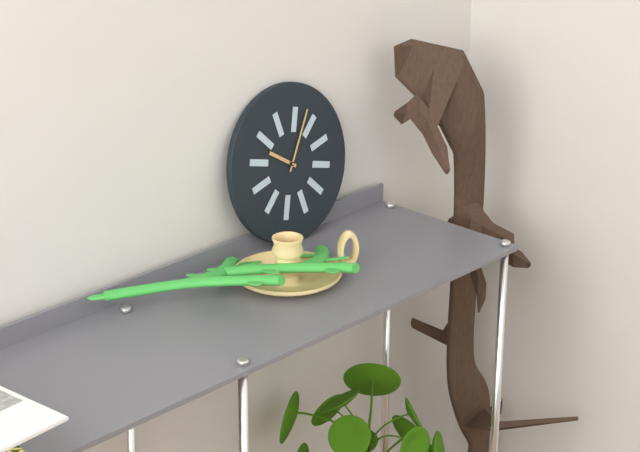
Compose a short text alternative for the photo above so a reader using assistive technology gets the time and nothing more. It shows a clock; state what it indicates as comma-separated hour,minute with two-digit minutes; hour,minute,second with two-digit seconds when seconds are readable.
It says 10,05
